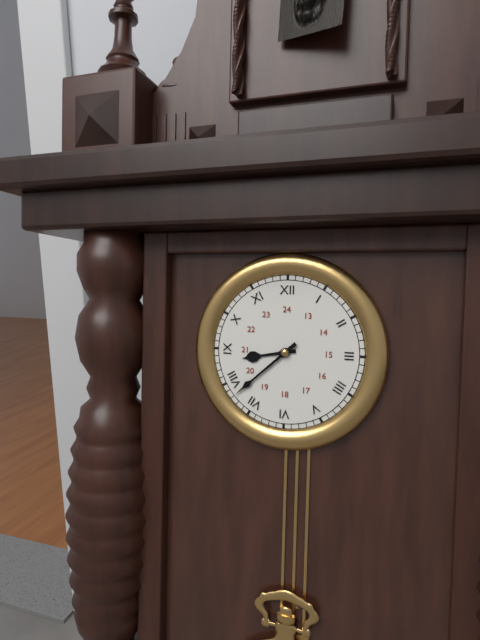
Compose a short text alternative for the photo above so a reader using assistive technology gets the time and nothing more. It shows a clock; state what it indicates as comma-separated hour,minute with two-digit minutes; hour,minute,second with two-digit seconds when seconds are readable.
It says 8,38
